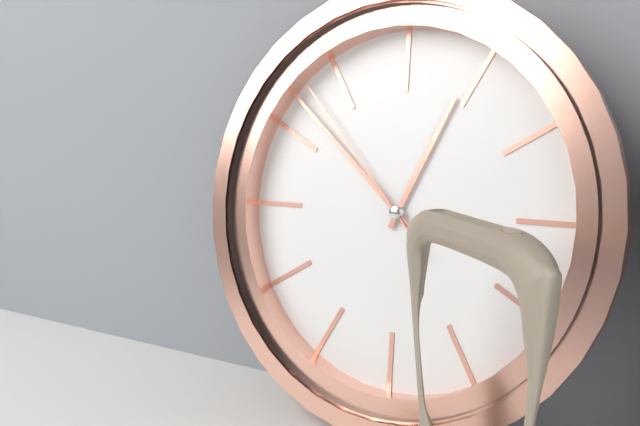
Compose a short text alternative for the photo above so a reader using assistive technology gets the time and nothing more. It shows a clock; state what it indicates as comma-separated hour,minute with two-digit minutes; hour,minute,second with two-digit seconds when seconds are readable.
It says 12,52,53
